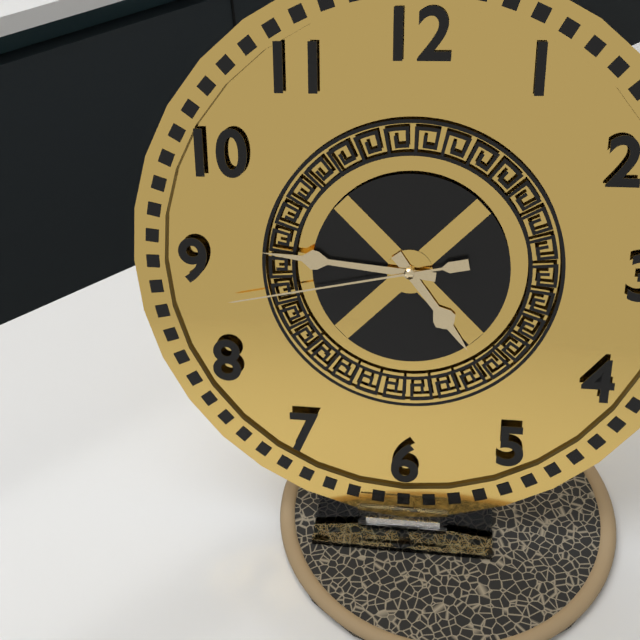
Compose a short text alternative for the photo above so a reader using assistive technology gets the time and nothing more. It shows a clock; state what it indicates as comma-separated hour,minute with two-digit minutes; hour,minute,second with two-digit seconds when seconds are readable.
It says 4,46,43
